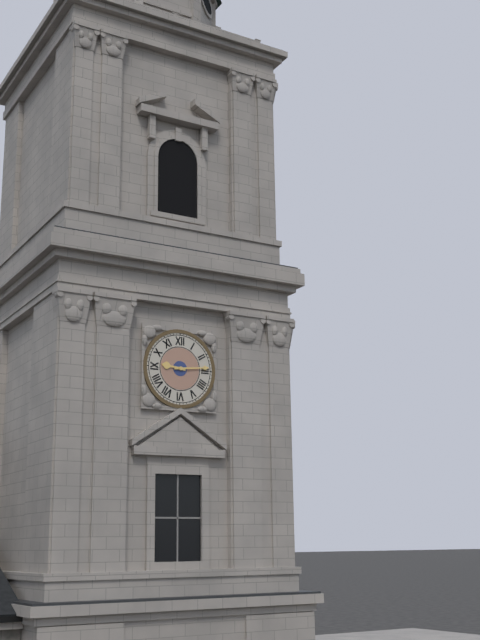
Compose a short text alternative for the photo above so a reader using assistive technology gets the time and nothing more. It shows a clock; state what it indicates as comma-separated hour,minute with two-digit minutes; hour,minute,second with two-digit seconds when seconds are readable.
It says 9,14
